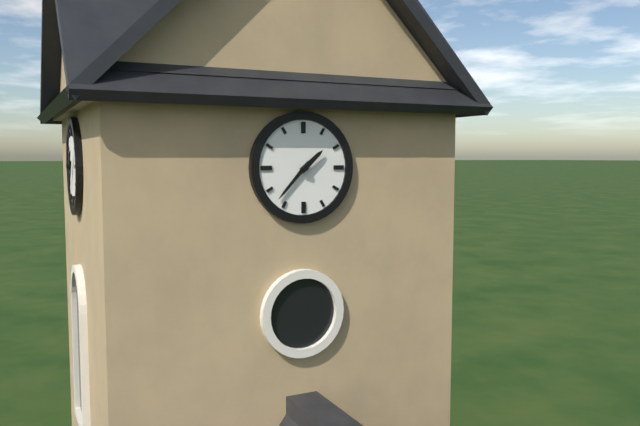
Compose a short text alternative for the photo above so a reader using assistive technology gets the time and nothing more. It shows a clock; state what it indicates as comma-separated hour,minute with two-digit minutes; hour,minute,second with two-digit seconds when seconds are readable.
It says 1,37
